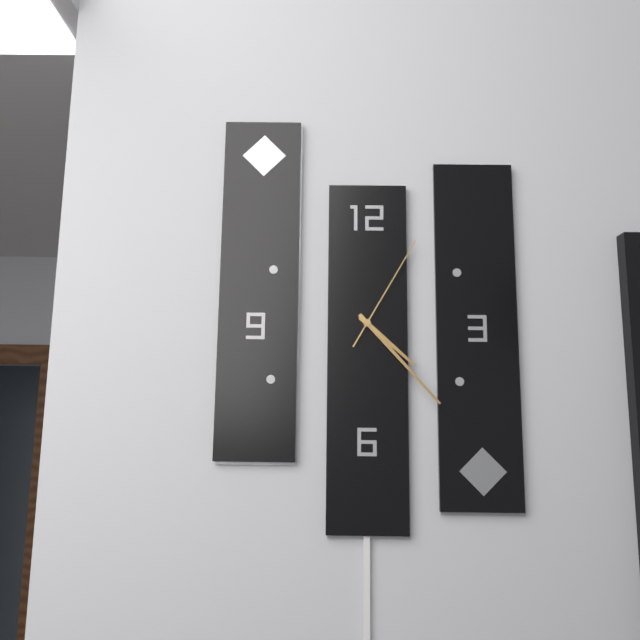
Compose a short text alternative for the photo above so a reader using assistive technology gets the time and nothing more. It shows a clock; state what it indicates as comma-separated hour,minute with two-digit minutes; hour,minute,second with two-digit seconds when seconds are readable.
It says 4,23,05
